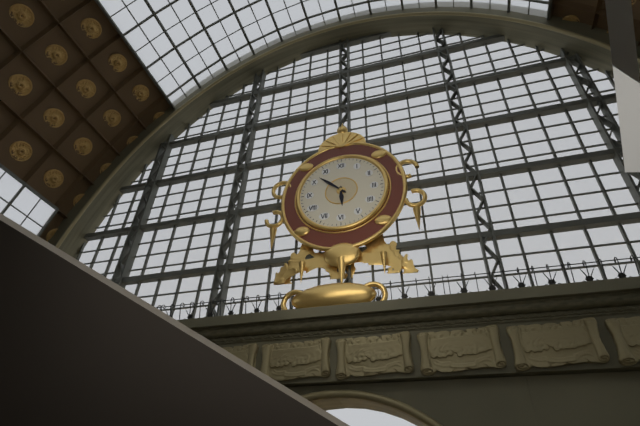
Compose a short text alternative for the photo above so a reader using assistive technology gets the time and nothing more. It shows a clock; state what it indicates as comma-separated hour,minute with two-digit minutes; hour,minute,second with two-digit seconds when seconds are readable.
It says 5,52
